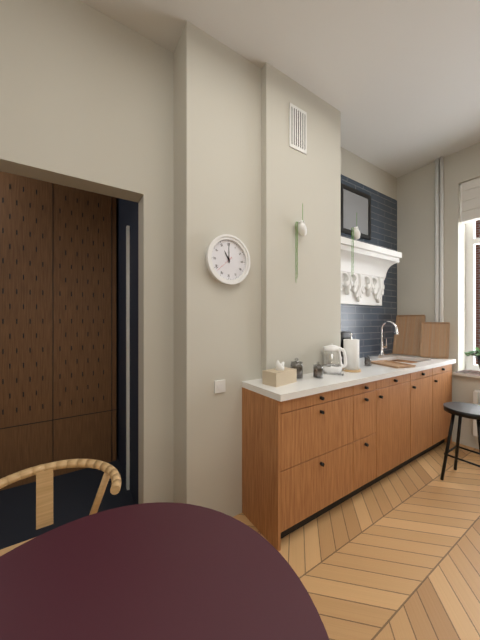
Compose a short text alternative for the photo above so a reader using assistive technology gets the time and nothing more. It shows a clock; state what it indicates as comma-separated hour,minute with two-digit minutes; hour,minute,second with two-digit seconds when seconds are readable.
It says 11,00
